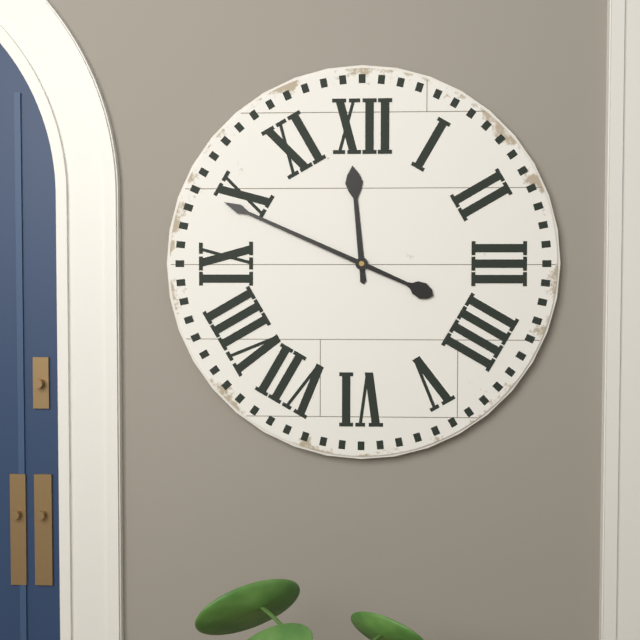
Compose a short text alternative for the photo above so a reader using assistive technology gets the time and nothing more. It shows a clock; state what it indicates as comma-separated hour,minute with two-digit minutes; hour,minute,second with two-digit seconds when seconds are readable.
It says 11,49
